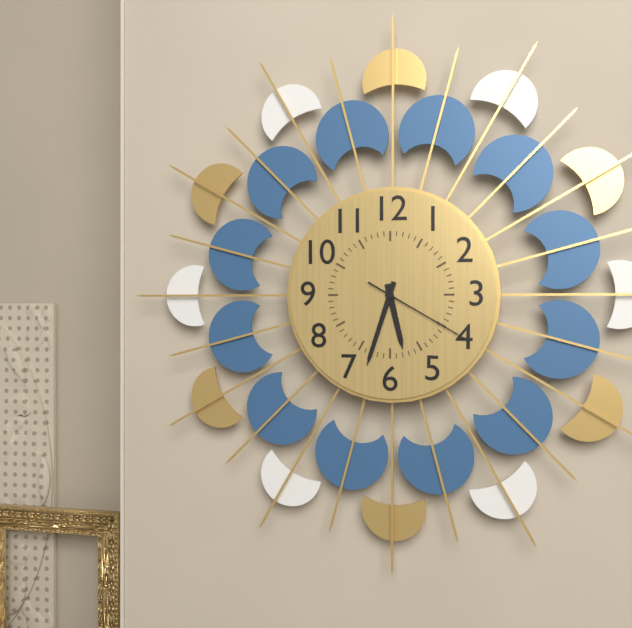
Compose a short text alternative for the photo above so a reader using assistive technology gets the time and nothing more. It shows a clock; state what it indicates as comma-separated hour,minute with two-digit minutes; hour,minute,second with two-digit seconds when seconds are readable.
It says 5,33,20
